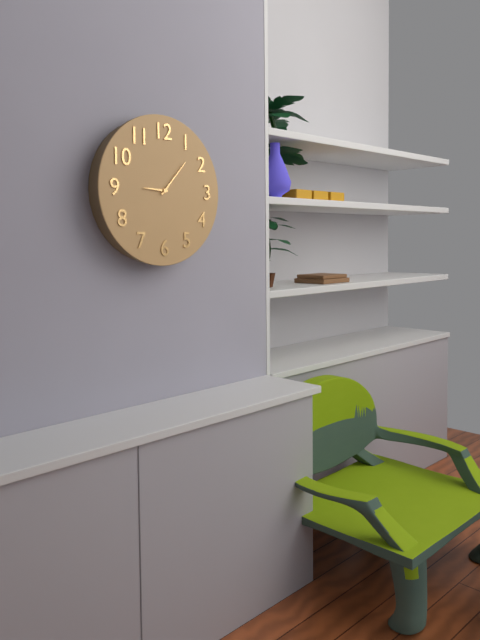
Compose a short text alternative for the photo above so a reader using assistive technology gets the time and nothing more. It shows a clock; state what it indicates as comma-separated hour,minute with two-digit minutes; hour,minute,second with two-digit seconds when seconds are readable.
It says 9,07
